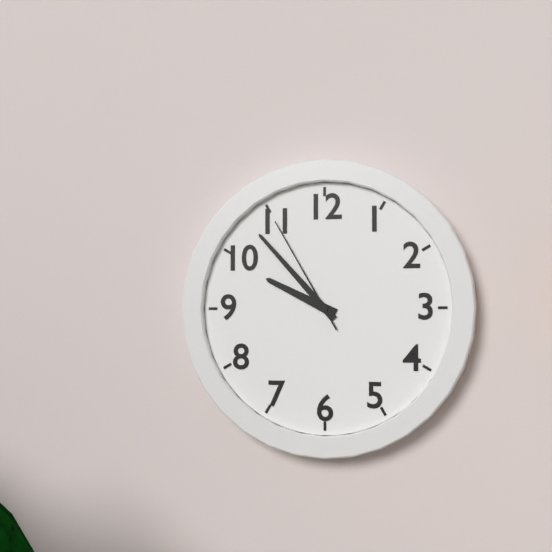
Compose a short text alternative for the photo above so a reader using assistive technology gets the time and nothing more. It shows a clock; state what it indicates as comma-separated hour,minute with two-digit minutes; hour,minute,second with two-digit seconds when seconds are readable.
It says 9,53,55
